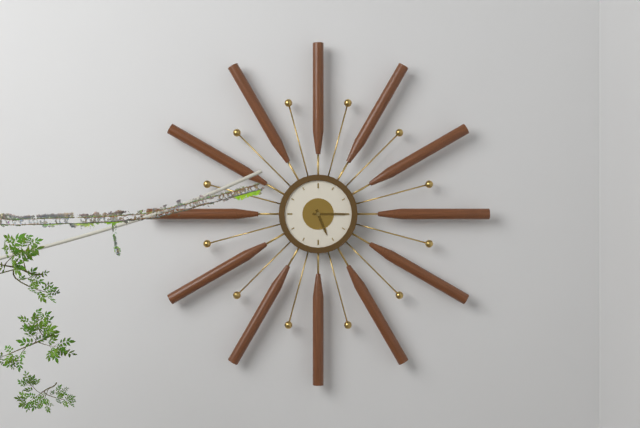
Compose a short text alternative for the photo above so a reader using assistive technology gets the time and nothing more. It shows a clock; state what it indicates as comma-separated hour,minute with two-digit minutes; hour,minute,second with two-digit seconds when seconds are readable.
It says 5,15
